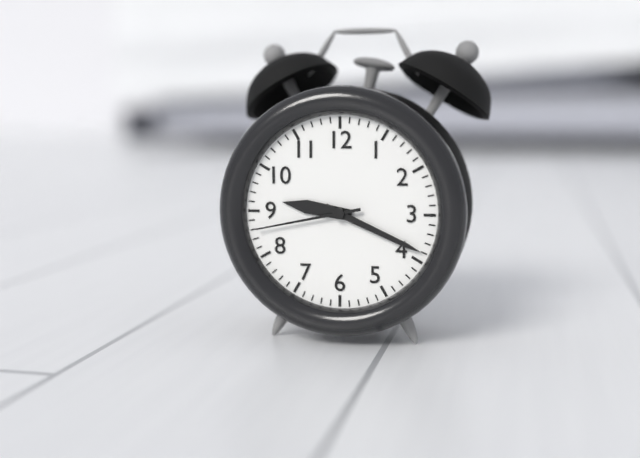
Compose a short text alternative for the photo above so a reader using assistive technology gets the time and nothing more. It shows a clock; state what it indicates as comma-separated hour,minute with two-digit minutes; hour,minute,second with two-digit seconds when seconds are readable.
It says 9,19,43
